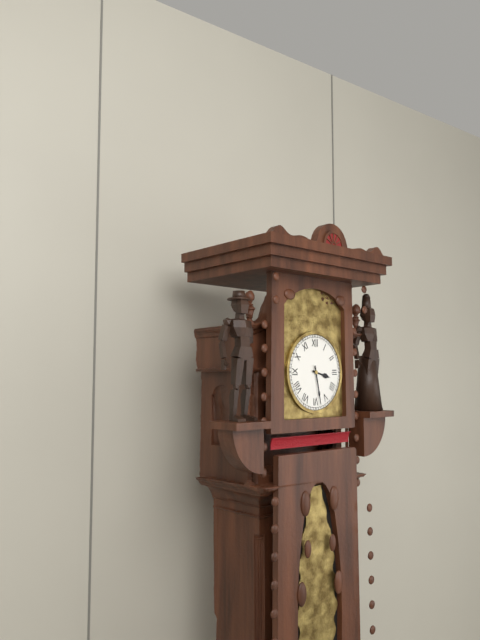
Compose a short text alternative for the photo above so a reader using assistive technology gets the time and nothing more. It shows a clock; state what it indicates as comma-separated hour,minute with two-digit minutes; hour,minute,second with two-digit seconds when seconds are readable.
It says 3,28
